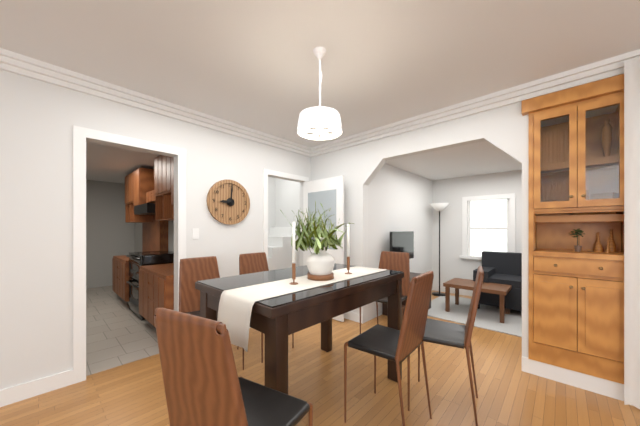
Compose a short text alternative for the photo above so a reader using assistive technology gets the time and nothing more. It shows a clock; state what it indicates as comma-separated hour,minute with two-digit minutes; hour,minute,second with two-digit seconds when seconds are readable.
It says 9,01
